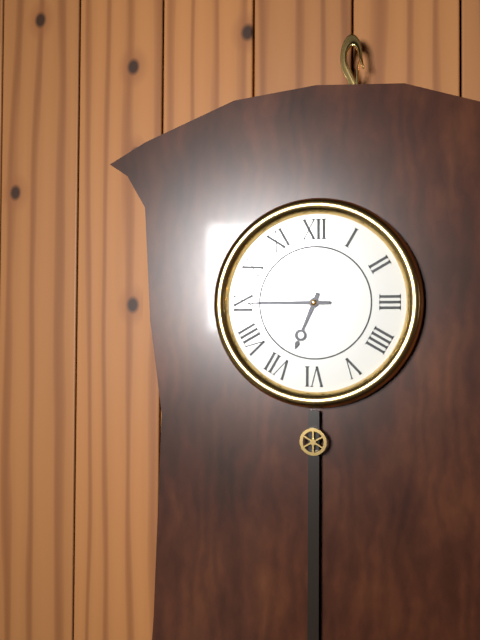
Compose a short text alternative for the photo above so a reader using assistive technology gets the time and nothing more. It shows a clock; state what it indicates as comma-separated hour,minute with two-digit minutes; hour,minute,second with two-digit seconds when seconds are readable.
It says 6,45
